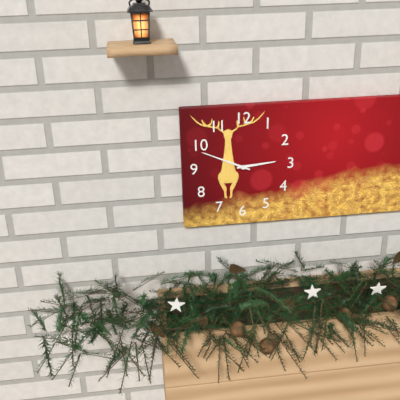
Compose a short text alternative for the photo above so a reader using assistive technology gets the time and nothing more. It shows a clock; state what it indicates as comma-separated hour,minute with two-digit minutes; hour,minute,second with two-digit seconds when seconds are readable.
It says 2,49
